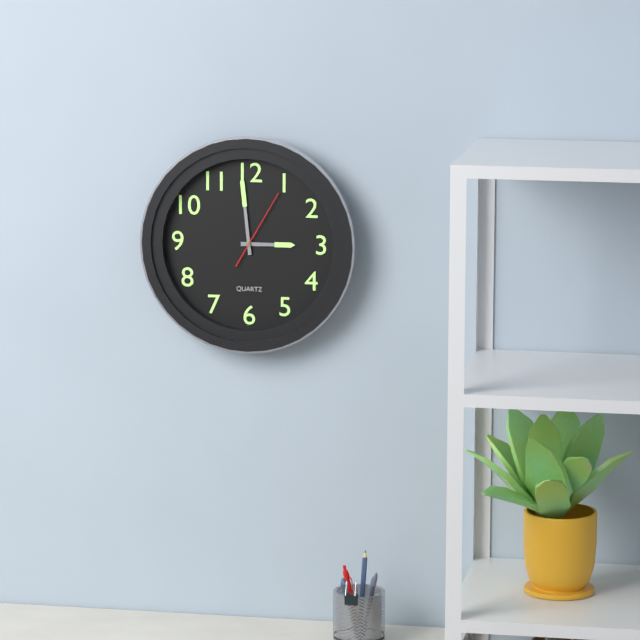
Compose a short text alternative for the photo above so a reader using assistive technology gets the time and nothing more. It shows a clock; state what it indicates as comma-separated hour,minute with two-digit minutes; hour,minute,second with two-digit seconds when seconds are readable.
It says 2,59,05
